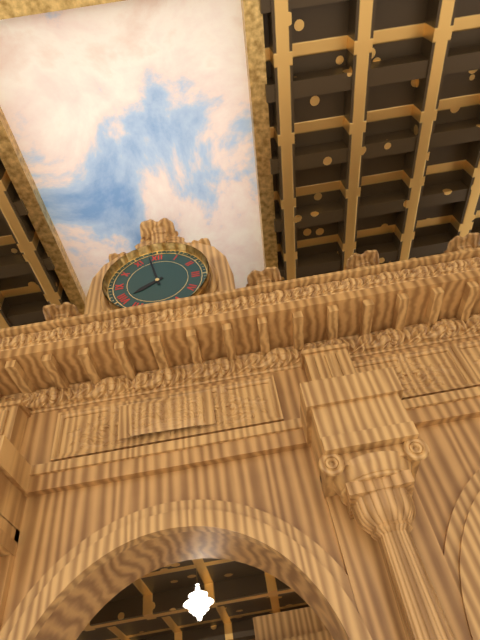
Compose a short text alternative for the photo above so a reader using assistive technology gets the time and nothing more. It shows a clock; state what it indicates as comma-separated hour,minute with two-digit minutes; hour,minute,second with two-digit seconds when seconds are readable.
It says 7,58
